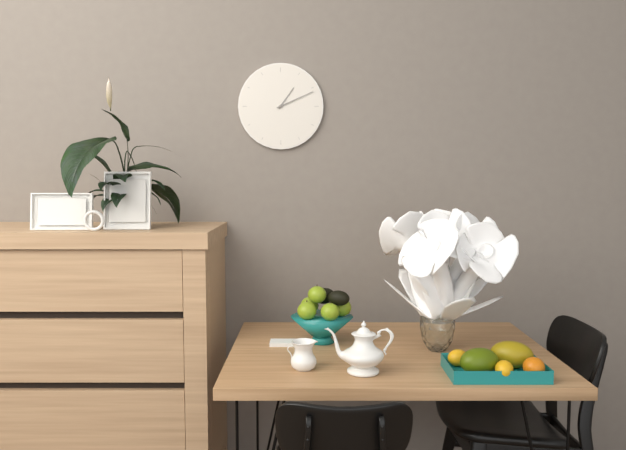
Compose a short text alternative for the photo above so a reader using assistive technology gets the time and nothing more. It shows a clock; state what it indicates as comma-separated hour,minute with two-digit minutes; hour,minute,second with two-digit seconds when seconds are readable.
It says 1,11
